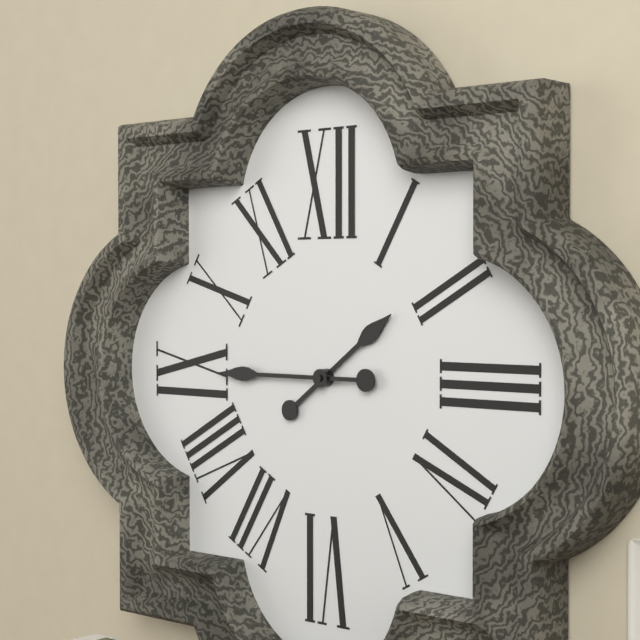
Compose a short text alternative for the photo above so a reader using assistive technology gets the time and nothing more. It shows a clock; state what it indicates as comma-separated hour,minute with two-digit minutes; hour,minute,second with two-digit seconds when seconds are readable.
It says 1,45
